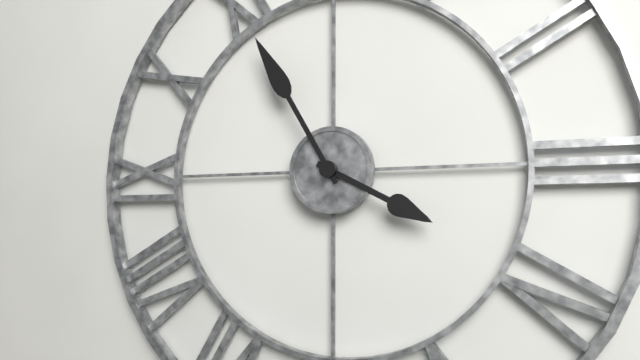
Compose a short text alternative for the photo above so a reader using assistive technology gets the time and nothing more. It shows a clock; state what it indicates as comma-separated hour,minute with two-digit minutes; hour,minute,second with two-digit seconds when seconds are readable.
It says 3,55
